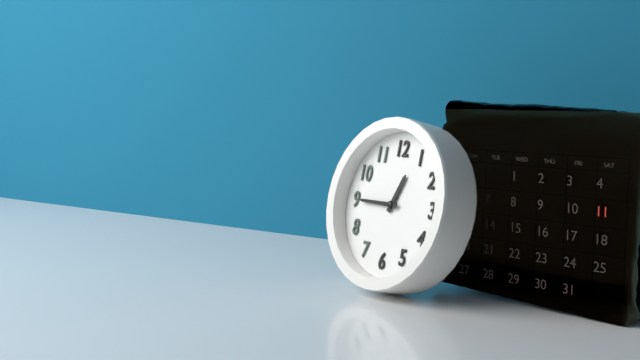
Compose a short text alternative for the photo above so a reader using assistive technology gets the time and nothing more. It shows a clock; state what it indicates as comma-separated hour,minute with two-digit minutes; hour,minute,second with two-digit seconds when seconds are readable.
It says 12,45
